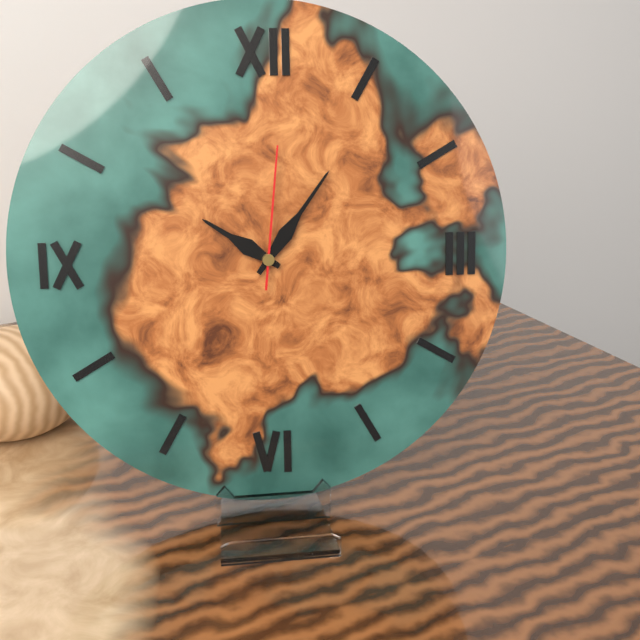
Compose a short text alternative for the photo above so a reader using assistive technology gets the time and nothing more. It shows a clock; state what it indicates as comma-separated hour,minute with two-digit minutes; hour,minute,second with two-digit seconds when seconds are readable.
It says 10,06,01
